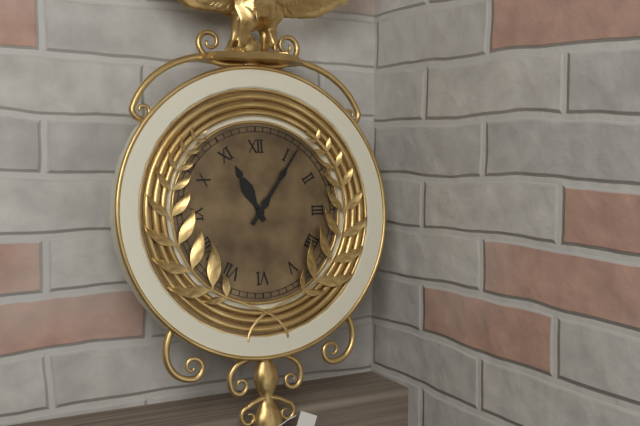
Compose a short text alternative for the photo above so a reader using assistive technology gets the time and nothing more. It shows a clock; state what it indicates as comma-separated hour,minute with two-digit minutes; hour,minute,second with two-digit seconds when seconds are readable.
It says 11,06
